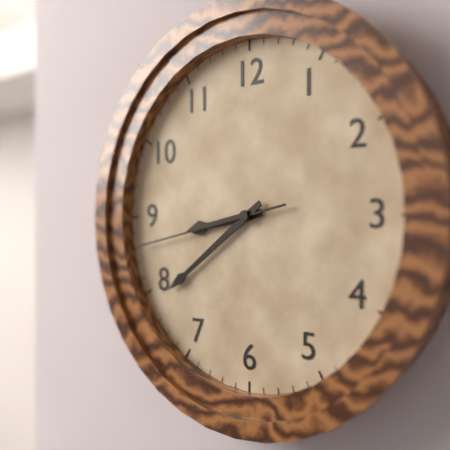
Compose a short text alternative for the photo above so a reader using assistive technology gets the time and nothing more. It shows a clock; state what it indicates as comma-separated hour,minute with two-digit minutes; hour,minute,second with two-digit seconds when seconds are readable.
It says 8,39,43
